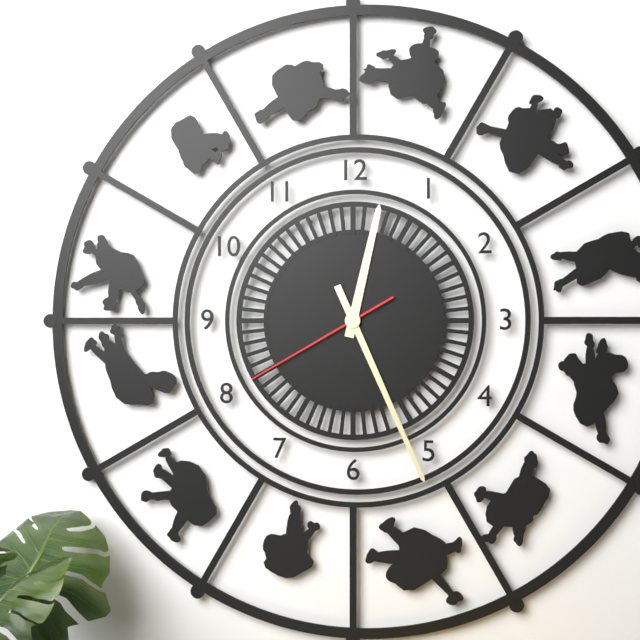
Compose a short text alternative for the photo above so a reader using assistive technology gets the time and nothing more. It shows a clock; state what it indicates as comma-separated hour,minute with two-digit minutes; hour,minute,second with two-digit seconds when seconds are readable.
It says 12,26,40
